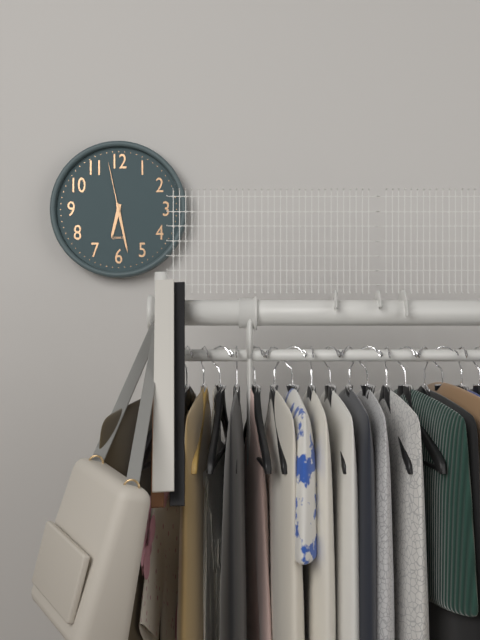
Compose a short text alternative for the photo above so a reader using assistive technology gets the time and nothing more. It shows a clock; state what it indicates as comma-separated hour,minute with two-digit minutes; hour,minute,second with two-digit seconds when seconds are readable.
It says 6,28,58
